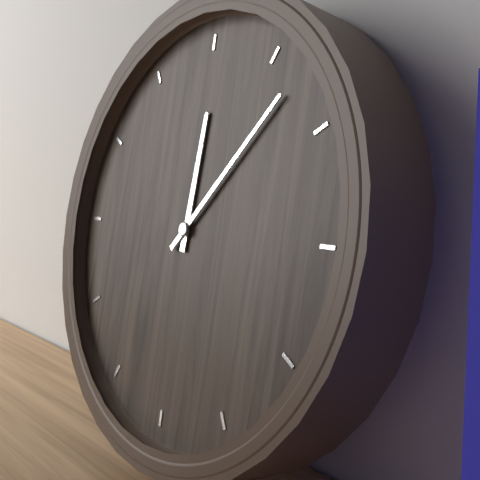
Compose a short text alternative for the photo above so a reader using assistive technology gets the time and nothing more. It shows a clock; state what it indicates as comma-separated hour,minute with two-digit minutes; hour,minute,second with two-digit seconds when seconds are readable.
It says 12,07
